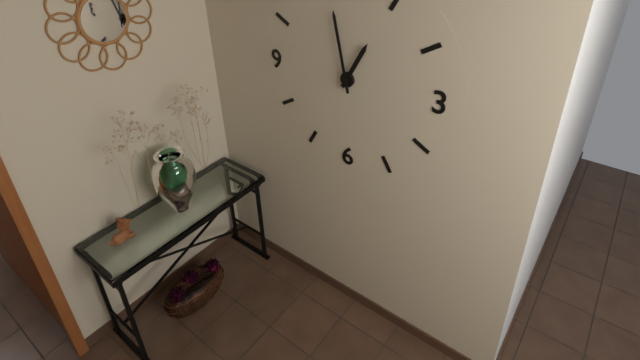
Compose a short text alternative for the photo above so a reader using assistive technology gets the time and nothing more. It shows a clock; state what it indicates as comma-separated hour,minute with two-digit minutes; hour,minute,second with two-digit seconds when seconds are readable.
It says 12,58
